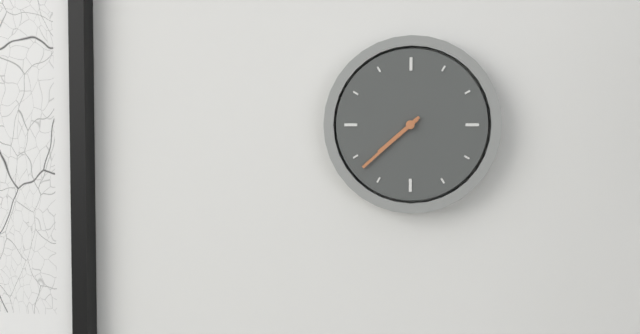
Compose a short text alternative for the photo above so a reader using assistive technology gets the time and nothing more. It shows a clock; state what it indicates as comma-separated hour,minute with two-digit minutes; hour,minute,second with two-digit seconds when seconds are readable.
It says 7,38
